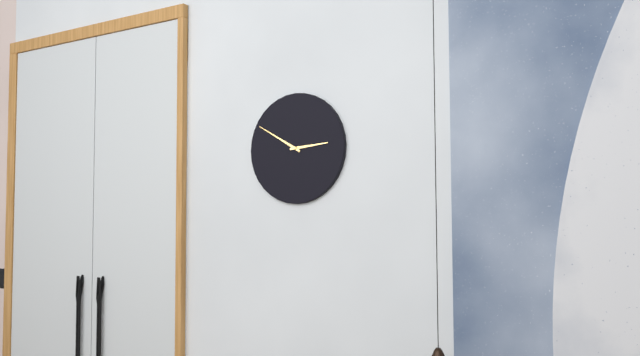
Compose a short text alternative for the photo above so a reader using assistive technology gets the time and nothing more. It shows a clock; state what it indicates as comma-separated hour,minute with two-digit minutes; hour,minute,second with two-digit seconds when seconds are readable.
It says 2,50
